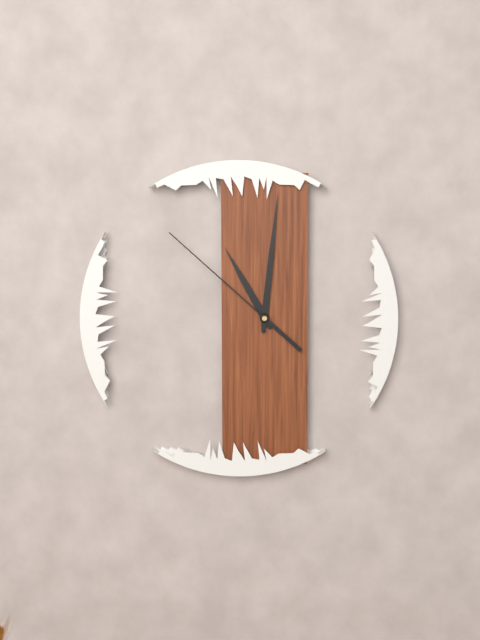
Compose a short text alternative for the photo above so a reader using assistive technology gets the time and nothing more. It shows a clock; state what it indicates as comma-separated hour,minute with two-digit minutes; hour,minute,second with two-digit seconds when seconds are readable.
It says 11,01,52
